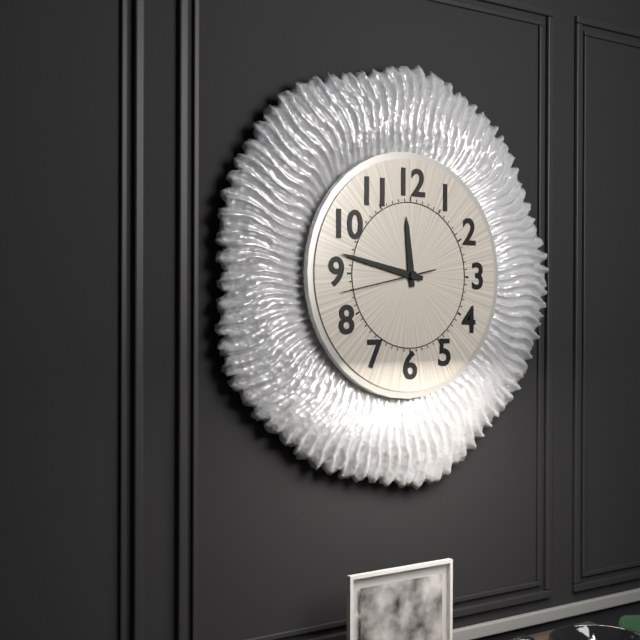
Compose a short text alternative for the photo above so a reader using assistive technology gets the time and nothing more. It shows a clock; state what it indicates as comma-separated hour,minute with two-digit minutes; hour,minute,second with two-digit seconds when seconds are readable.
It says 11,47,43
